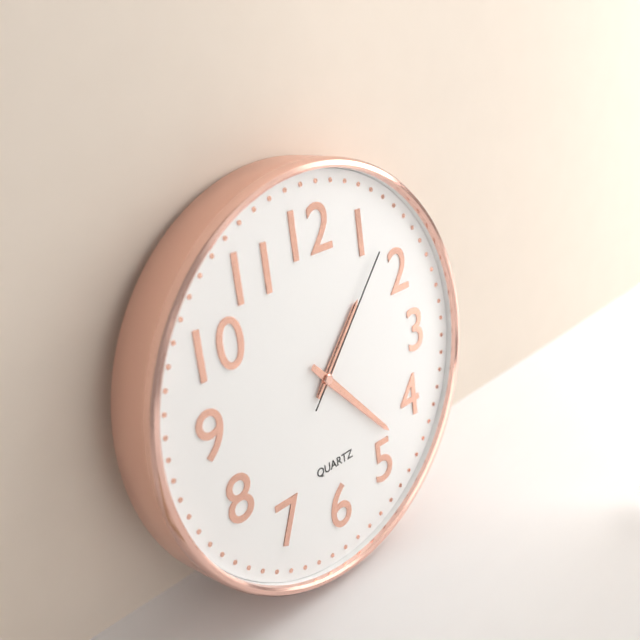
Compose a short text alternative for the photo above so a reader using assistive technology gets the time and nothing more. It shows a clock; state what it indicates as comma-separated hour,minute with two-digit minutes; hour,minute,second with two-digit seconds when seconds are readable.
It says 1,23,07
